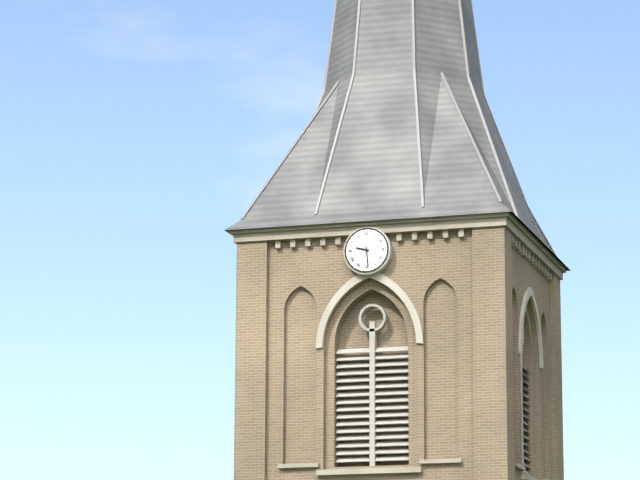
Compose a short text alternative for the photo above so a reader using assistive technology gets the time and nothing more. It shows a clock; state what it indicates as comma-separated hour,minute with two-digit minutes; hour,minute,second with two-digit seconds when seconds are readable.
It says 9,29
